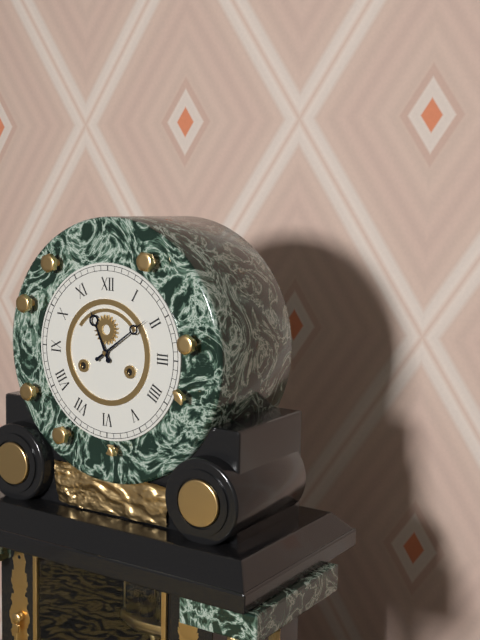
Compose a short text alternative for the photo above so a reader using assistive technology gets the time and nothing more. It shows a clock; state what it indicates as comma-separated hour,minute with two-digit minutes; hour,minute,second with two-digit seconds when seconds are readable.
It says 11,09
